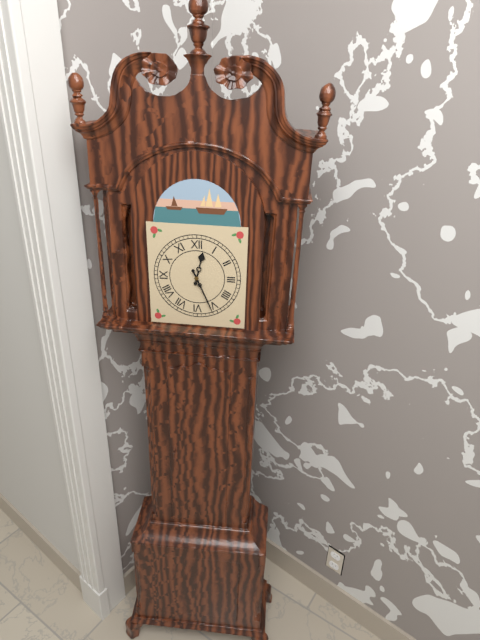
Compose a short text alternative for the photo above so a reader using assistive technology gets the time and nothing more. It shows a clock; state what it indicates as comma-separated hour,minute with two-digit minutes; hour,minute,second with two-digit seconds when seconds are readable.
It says 12,26
